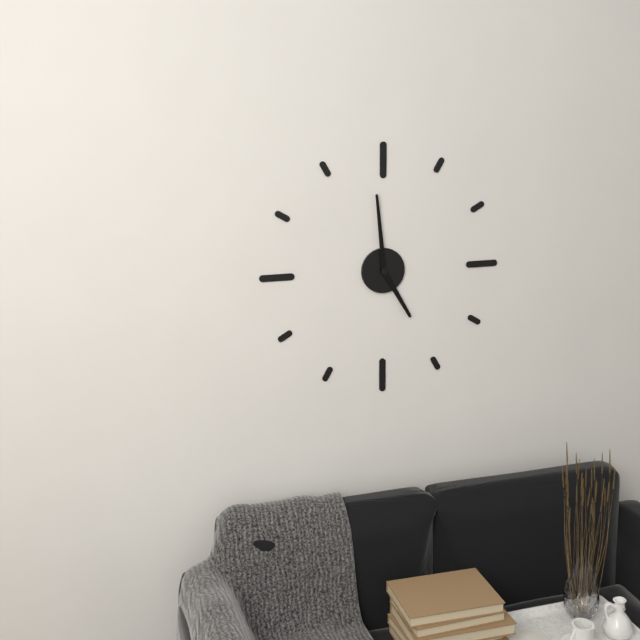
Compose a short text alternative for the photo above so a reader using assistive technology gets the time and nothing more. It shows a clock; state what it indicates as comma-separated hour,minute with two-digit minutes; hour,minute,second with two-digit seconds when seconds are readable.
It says 4,59
